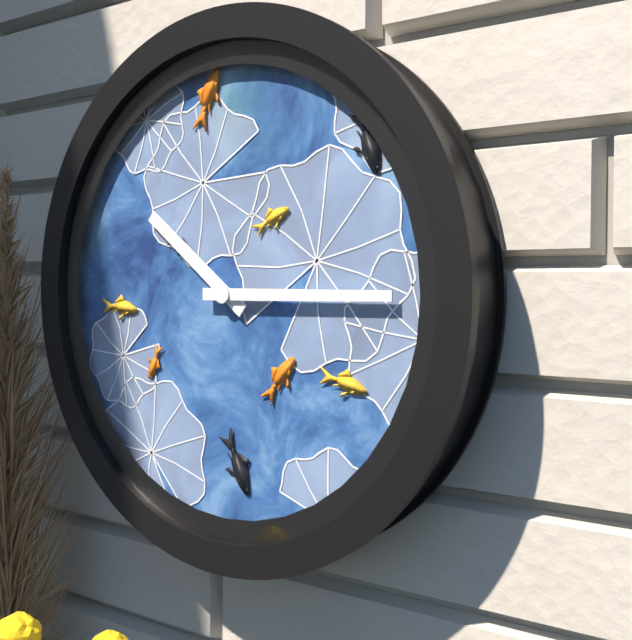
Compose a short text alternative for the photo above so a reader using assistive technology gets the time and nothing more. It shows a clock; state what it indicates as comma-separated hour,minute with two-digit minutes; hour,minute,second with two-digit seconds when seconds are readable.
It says 10,15
